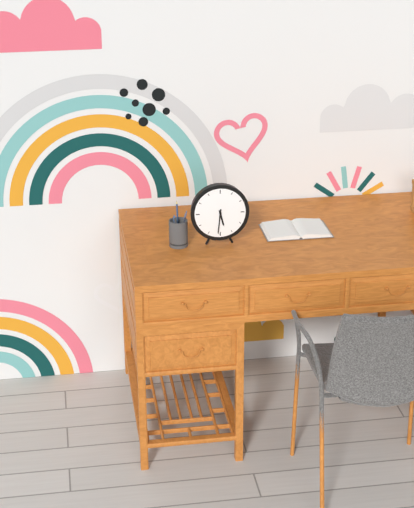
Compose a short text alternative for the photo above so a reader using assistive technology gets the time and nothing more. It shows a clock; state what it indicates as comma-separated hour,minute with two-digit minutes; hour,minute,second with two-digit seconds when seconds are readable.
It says 5,31
